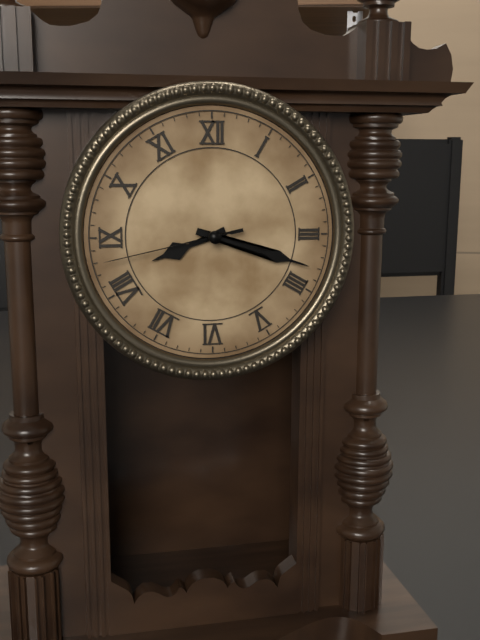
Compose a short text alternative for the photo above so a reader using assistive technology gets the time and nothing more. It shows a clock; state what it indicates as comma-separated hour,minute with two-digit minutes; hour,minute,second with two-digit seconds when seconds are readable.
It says 8,18,43
